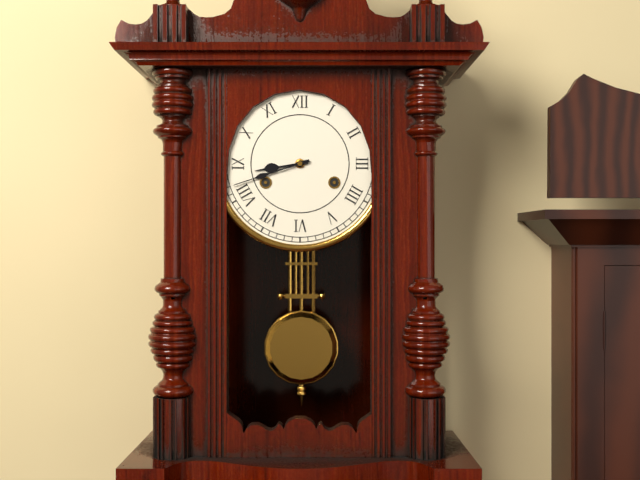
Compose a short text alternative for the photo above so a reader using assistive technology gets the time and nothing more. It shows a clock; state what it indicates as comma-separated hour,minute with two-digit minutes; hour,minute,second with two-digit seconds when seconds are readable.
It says 8,42
